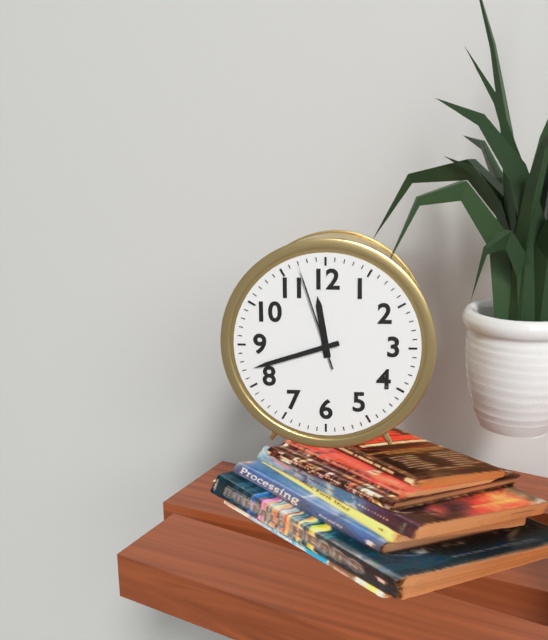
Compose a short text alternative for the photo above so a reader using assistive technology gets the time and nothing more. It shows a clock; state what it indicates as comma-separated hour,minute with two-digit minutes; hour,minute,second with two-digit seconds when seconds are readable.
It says 11,42,57
